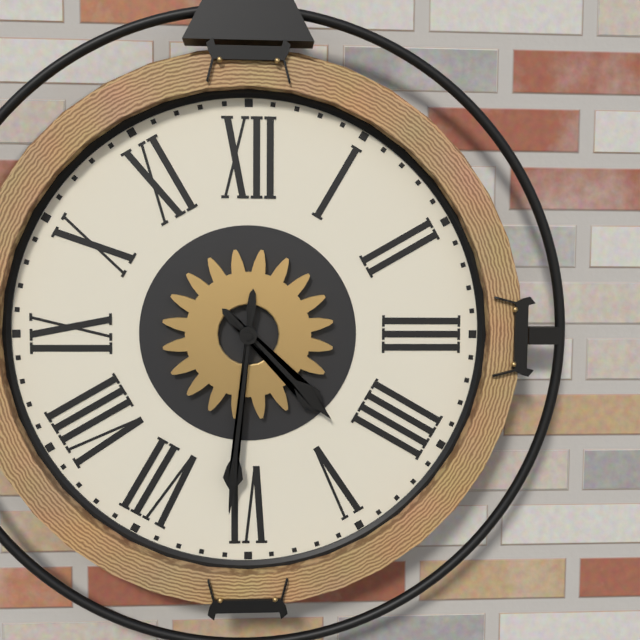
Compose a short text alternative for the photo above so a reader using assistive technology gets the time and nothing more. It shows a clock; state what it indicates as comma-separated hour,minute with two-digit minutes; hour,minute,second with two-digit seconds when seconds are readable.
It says 4,31
